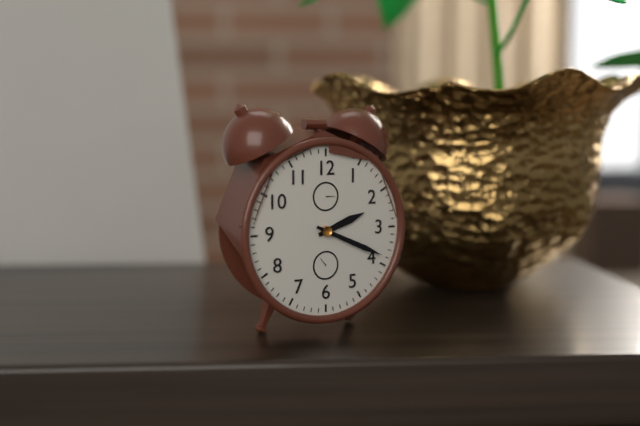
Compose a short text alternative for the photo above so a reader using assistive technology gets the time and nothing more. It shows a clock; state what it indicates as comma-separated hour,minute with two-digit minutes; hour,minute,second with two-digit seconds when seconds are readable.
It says 2,19
